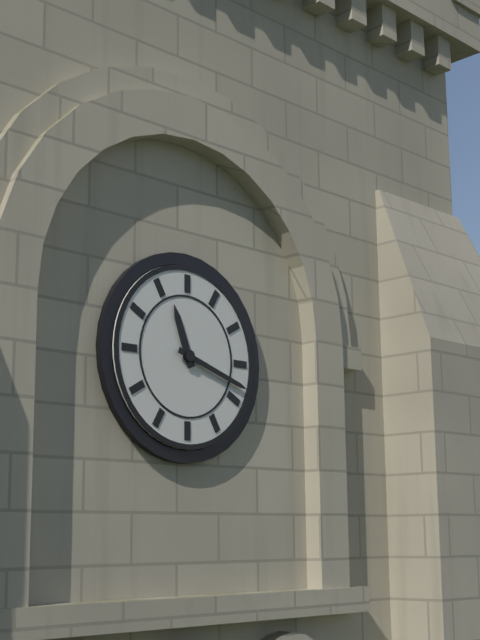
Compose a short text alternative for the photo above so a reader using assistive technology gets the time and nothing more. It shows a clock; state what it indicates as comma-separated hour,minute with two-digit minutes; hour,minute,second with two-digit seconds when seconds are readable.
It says 11,18
